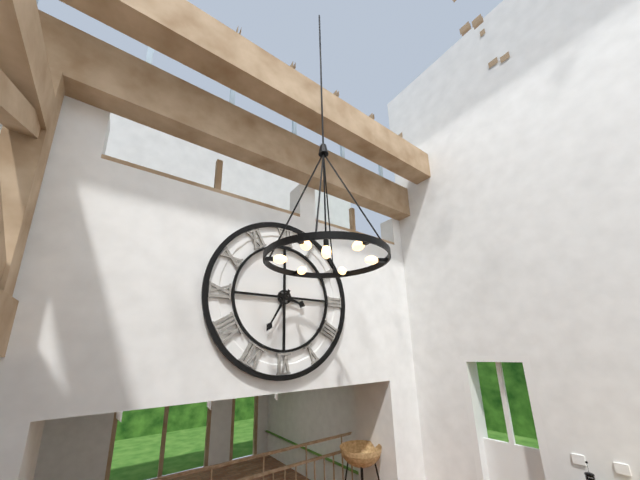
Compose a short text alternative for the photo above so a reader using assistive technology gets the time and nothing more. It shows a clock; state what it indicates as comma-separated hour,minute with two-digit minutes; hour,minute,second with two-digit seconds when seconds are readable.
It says 3,35
